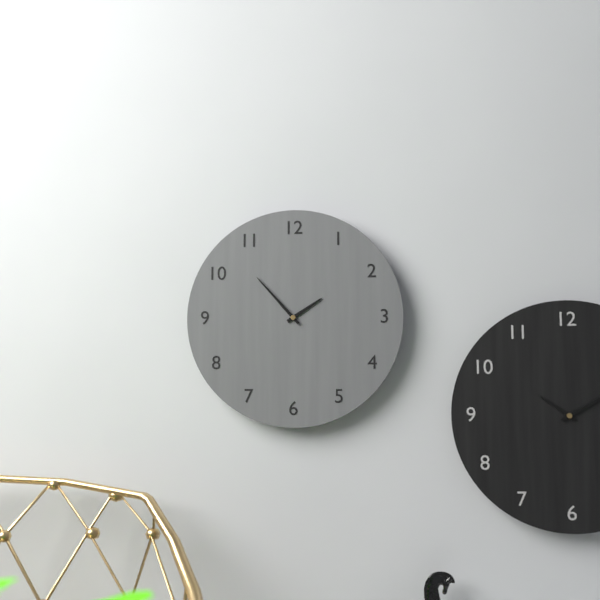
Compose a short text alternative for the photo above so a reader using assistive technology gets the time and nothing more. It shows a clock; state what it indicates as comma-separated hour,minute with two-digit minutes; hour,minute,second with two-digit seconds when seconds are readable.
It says 1,53
